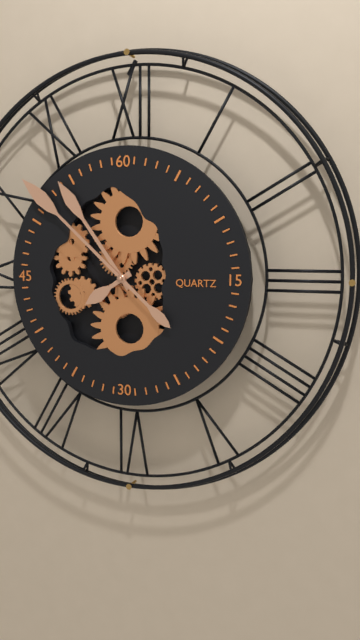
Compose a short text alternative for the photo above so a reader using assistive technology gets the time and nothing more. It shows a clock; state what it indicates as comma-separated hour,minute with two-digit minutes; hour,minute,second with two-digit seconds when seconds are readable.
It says 7,54,52
